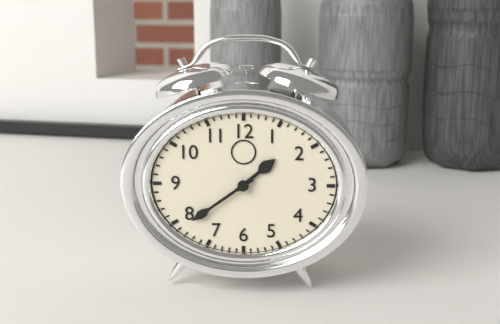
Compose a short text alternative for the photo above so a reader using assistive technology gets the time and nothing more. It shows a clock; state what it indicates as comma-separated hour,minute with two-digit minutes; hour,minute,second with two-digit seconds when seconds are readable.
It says 1,39
